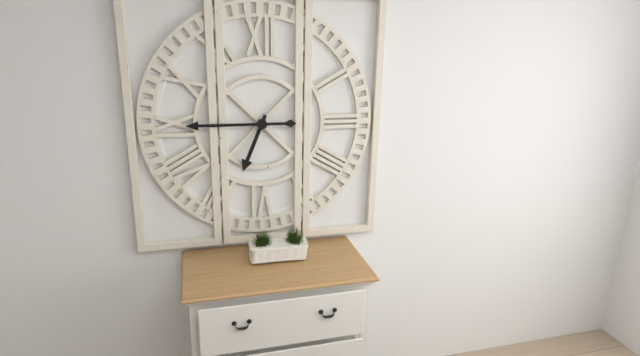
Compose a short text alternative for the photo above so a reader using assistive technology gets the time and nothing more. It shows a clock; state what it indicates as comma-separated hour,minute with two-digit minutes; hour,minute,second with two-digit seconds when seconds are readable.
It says 6,45
